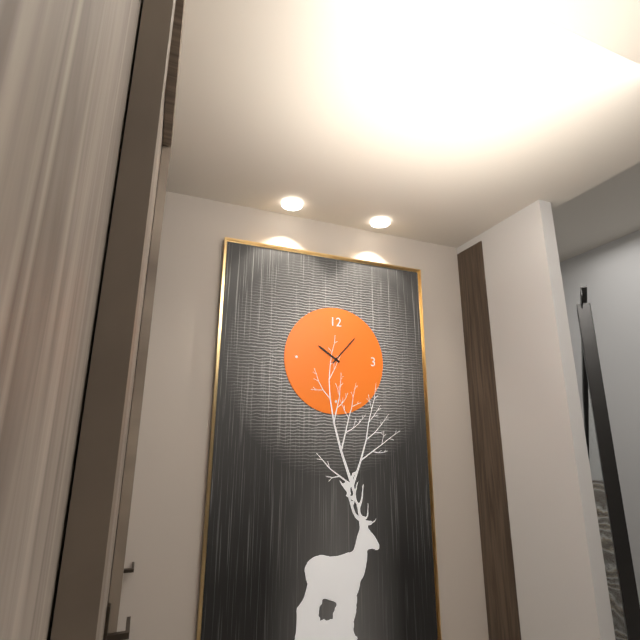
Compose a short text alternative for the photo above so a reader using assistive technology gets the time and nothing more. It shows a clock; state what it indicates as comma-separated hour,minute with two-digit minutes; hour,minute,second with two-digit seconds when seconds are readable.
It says 10,07
